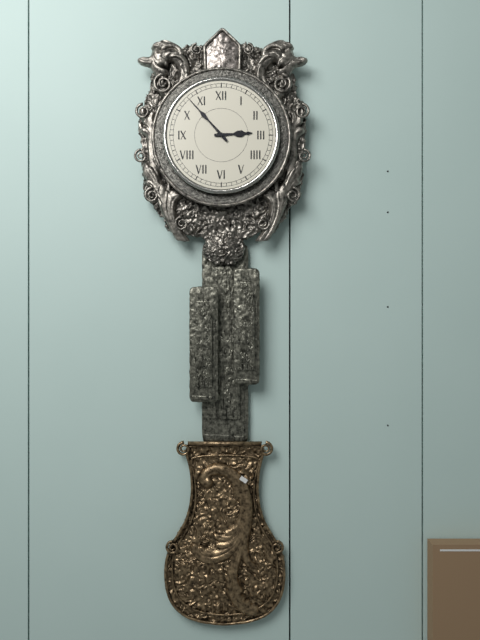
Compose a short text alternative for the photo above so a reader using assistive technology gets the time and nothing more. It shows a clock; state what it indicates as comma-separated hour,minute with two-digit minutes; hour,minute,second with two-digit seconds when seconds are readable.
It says 2,53
